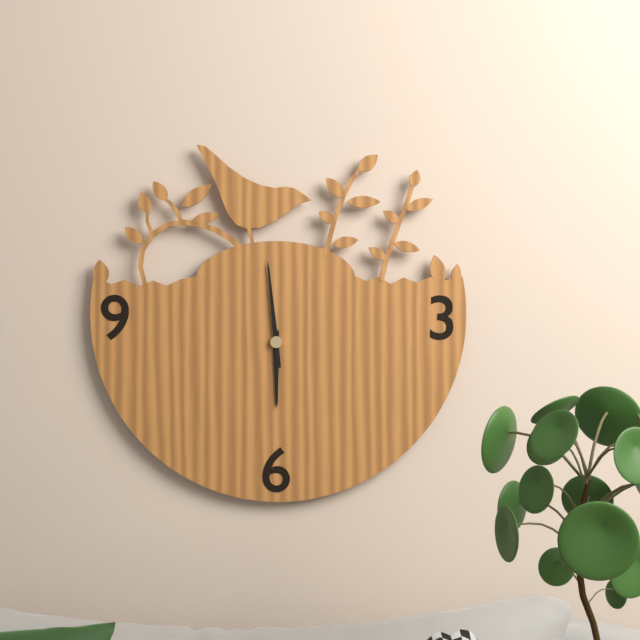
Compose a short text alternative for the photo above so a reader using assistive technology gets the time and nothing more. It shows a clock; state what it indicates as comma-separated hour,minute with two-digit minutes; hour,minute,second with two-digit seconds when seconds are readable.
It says 5,59
